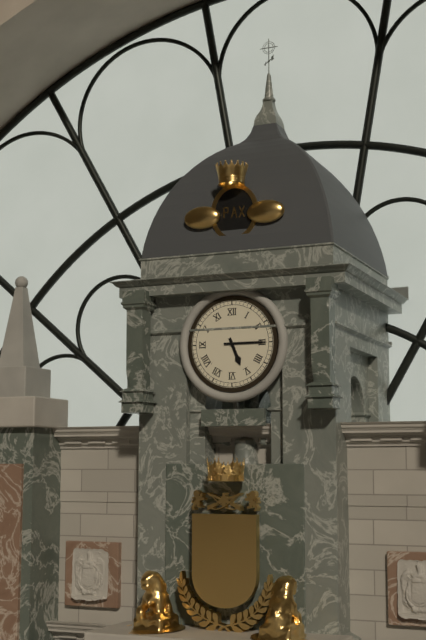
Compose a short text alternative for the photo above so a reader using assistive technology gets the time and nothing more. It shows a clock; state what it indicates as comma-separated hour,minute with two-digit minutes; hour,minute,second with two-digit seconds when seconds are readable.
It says 5,15
